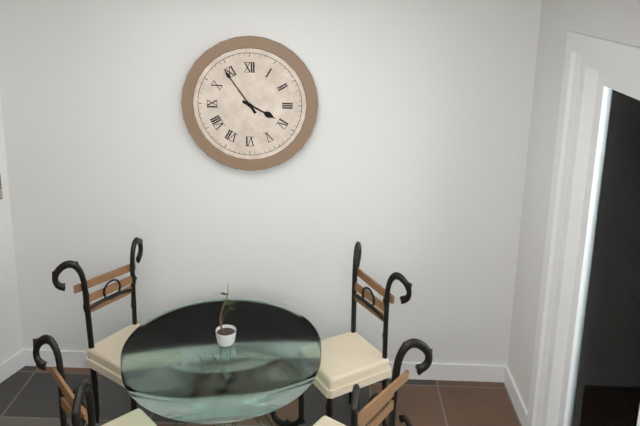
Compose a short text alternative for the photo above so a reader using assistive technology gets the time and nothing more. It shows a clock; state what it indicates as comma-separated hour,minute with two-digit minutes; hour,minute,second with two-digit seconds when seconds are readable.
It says 3,54
